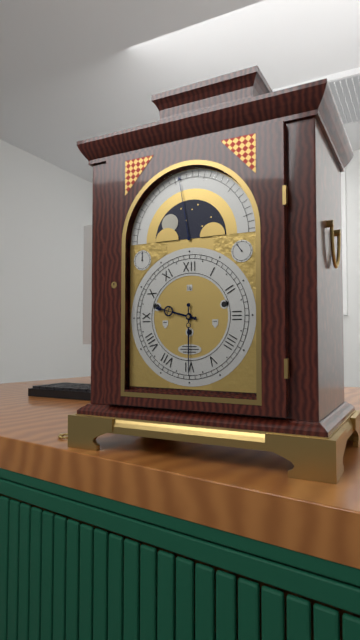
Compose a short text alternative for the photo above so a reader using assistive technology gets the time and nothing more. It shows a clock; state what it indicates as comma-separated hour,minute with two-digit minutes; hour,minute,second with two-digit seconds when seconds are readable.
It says 9,30
